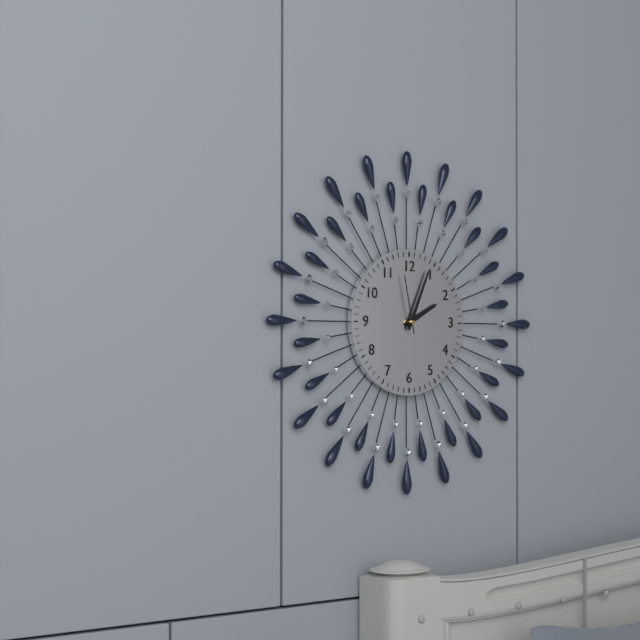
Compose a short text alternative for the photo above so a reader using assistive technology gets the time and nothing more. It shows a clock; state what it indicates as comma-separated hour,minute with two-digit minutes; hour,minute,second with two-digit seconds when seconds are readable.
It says 2,04,58
